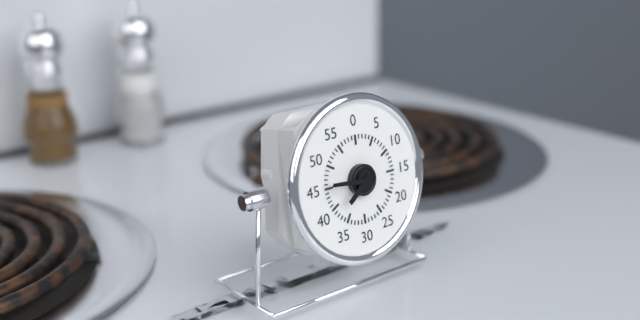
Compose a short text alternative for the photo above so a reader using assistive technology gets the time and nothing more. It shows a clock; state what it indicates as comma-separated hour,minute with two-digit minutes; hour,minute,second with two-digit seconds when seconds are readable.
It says 7,46
